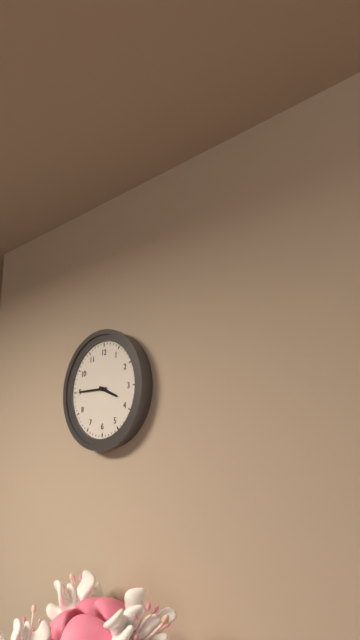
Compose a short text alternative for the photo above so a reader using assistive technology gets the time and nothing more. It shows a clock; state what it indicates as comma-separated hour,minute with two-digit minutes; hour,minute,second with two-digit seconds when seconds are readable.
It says 3,45
